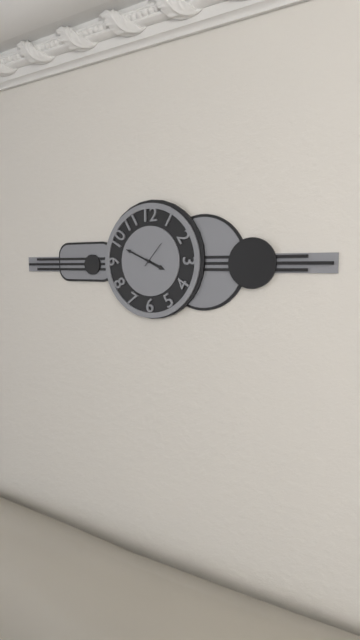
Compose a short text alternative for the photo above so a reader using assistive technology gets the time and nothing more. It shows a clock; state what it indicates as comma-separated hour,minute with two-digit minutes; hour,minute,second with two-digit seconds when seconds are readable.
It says 3,49
